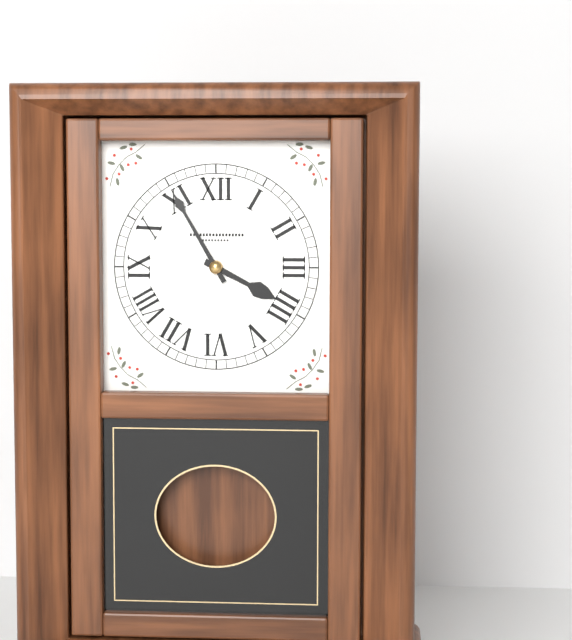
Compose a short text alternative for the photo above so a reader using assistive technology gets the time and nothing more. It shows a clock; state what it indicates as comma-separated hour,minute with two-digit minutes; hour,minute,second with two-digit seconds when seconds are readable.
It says 3,55
